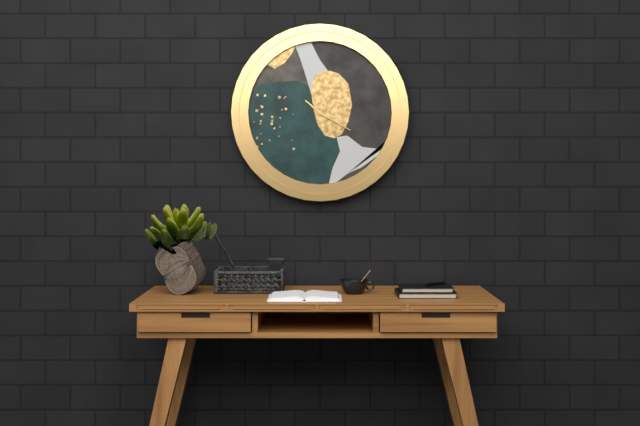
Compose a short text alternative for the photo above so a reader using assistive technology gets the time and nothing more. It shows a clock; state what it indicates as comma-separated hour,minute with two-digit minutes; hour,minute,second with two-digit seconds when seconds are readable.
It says 10,20
